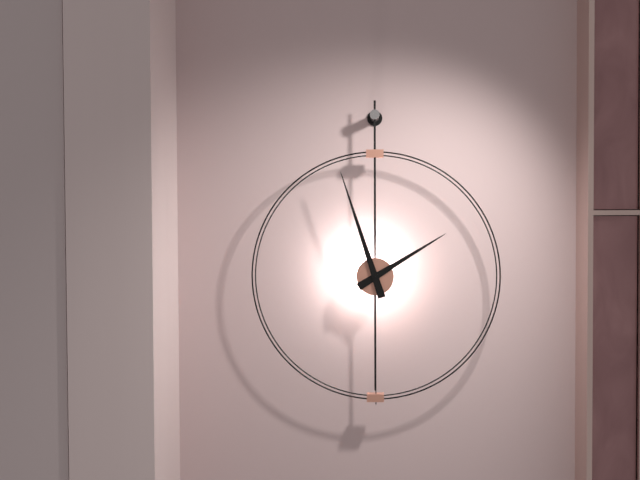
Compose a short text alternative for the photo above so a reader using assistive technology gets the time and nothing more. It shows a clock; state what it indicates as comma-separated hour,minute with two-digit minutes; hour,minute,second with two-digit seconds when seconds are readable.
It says 1,57
